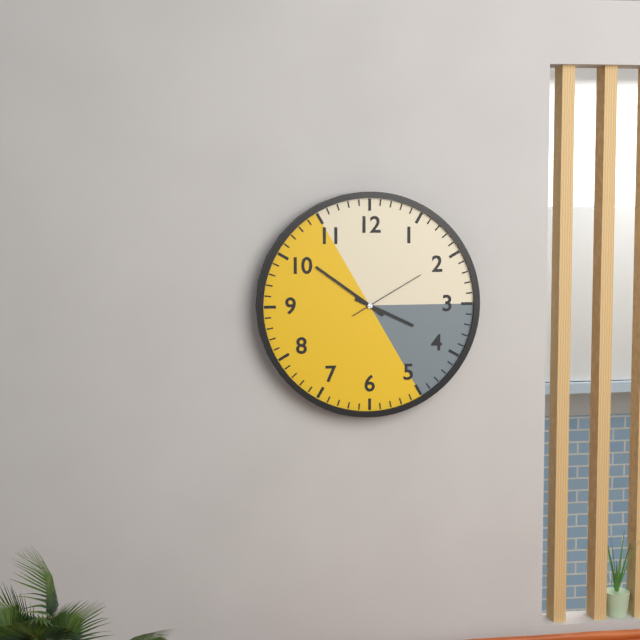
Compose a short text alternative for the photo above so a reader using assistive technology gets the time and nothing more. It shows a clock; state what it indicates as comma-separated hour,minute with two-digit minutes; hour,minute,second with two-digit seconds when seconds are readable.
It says 3,51,10
